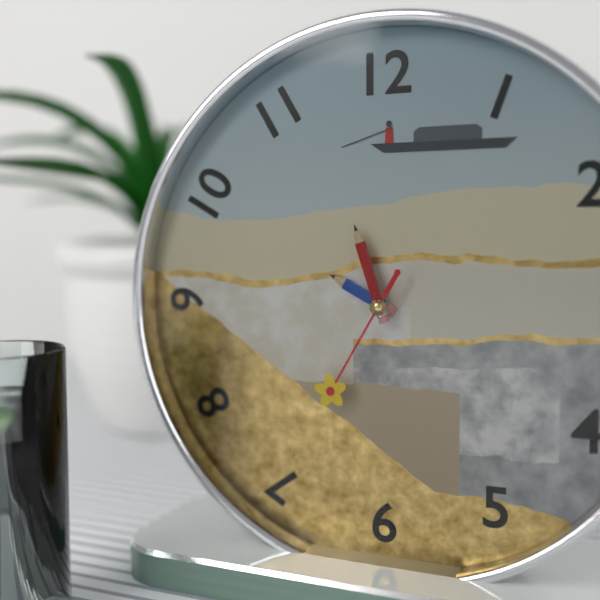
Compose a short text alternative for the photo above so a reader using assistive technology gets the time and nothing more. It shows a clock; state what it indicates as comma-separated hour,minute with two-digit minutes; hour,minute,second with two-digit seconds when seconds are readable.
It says 9,57,35
